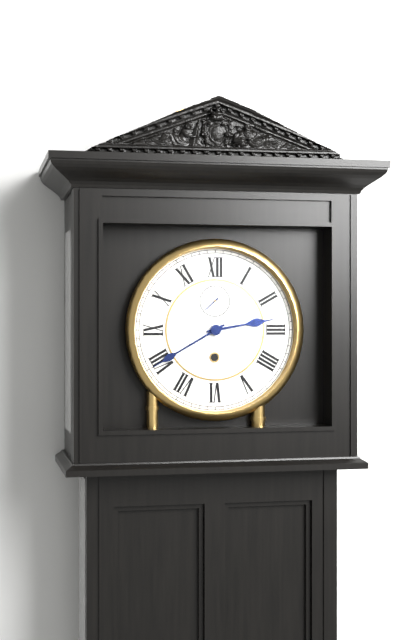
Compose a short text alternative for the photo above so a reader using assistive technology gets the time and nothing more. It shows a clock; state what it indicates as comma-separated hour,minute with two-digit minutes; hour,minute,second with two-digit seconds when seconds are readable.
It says 2,40
